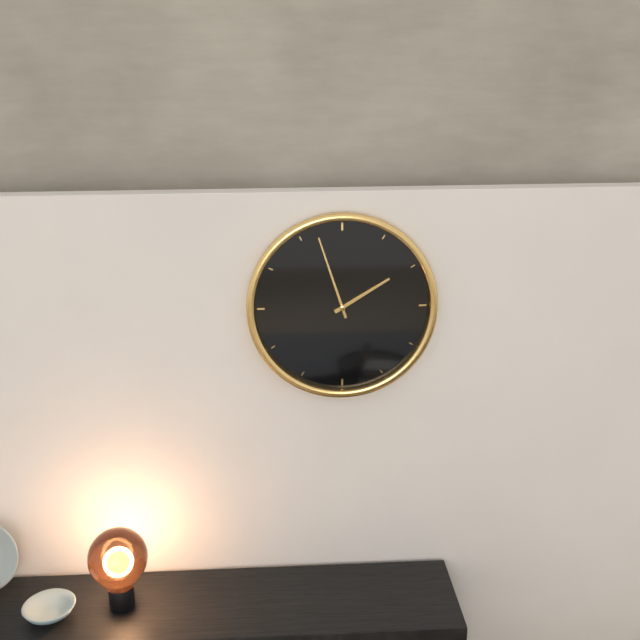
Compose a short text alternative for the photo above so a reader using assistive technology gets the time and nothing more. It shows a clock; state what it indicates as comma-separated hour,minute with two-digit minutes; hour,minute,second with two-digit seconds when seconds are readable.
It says 1,57
